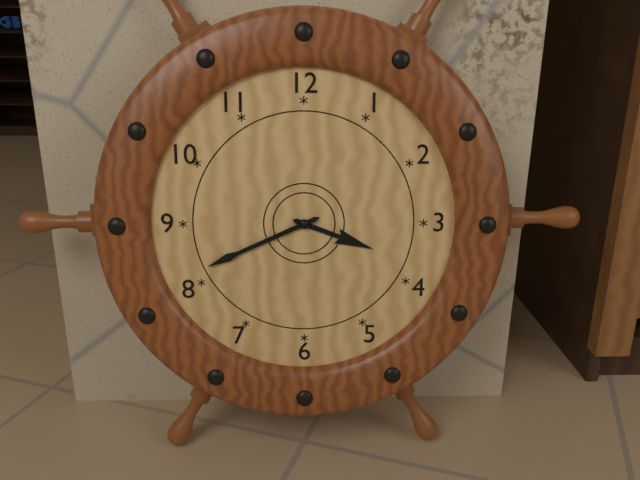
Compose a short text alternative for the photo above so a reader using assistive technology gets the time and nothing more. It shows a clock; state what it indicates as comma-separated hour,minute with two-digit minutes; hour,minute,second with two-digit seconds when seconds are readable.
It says 3,41
